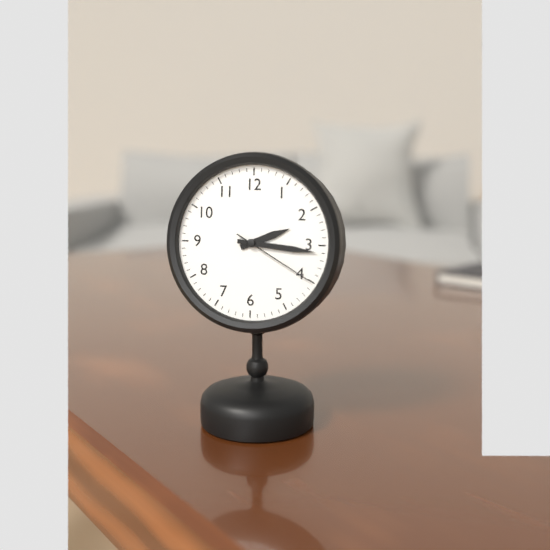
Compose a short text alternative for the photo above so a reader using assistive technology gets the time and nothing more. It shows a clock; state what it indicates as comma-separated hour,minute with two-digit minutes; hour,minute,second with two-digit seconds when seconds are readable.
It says 2,16,20
